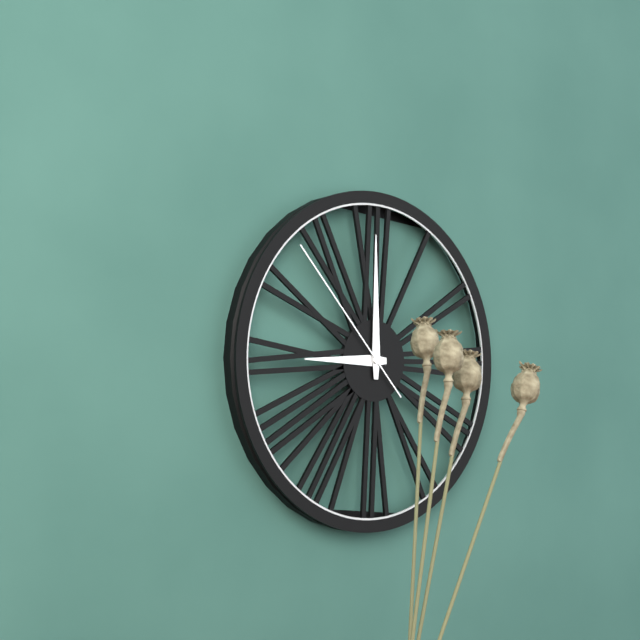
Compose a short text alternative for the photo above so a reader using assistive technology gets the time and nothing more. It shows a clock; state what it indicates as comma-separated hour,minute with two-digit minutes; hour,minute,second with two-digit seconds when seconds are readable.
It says 9,00,53
